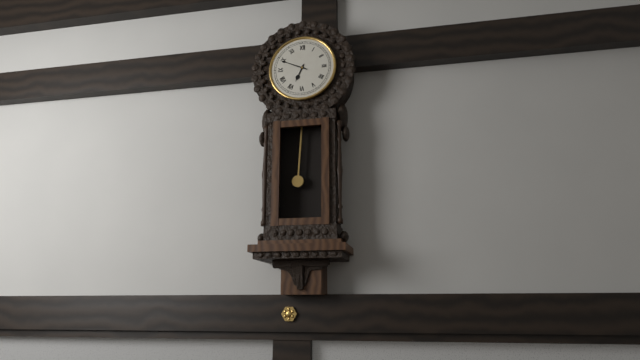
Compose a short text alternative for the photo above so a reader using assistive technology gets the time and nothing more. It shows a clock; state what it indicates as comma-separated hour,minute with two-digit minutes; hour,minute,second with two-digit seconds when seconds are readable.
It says 6,49
